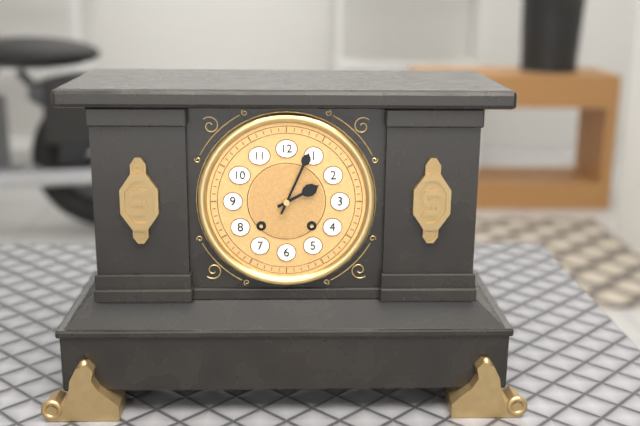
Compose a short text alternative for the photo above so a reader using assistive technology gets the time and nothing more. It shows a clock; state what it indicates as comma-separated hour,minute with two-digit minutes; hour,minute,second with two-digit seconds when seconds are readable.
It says 2,04
